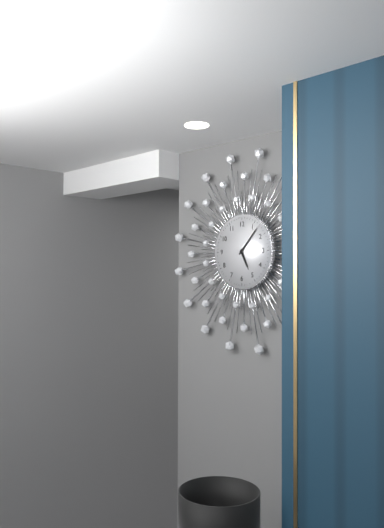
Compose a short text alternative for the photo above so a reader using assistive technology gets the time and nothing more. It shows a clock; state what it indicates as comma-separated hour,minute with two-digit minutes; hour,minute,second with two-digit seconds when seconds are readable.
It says 5,07
